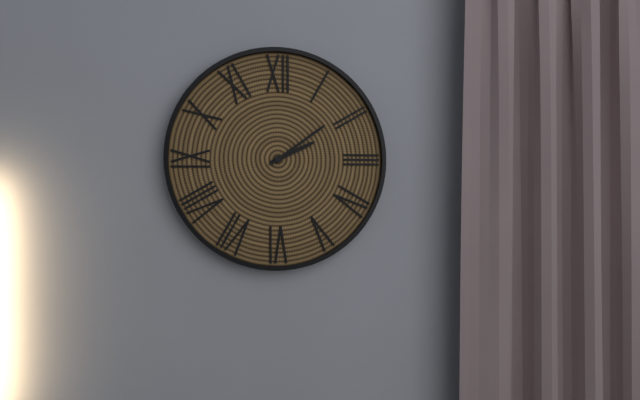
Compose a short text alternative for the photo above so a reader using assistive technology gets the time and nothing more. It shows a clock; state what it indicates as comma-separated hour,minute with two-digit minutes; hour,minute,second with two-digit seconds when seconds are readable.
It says 2,09
